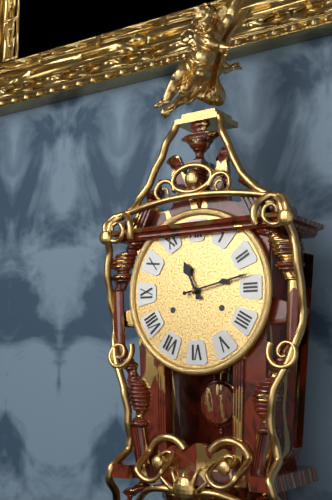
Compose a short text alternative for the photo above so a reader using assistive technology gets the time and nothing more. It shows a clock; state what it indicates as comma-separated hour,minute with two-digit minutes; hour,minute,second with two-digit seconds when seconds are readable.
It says 11,13
